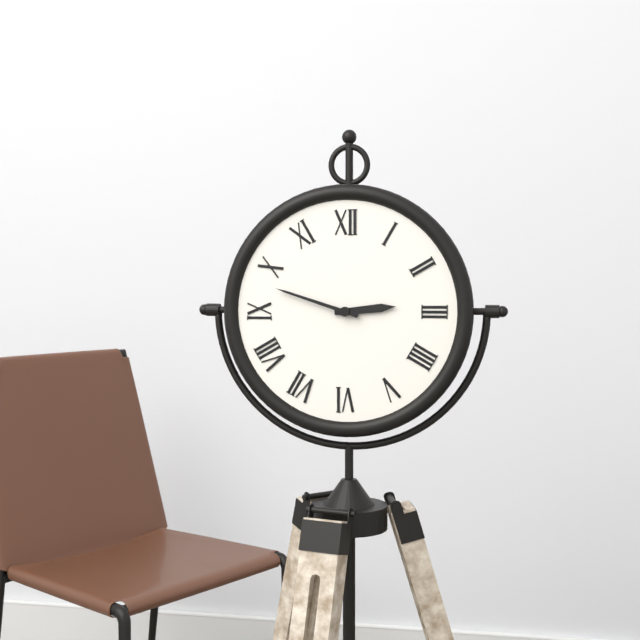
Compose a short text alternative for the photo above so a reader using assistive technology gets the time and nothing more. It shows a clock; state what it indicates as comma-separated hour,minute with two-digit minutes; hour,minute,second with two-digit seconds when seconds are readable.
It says 2,48
